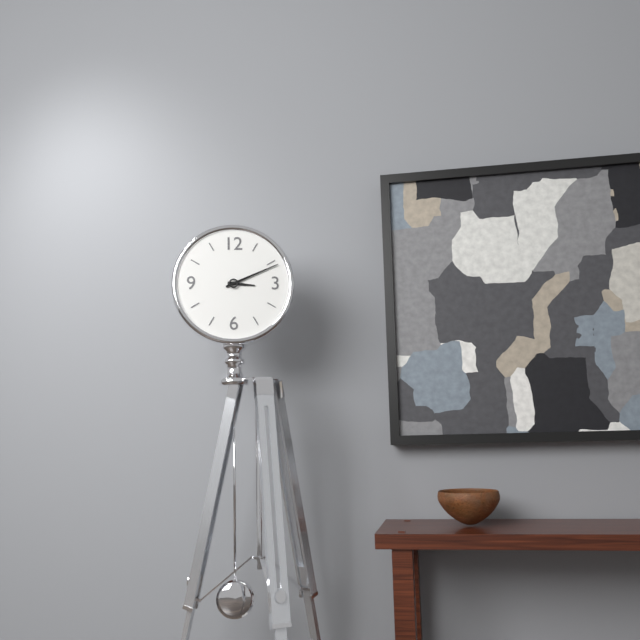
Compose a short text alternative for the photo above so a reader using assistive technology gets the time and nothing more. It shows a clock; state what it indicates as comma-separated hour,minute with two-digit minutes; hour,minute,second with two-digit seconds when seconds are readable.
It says 3,11
